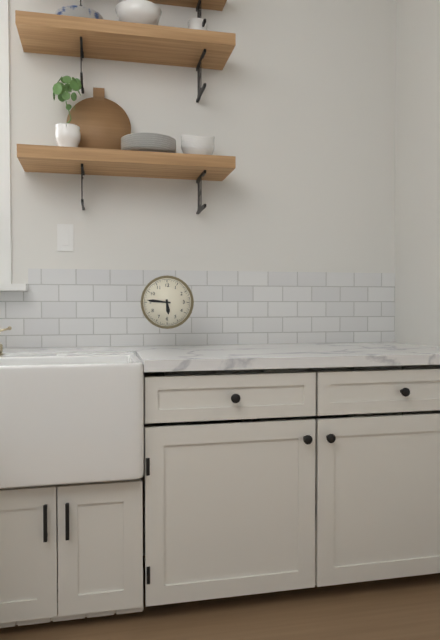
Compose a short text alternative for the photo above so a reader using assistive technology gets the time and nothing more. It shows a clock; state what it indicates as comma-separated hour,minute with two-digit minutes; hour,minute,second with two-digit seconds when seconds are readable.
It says 5,46
